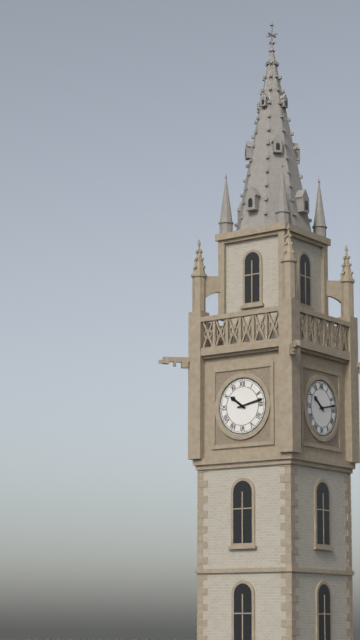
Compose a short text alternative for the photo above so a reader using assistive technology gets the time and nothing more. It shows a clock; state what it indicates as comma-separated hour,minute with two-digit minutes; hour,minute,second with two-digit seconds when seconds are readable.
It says 10,13
